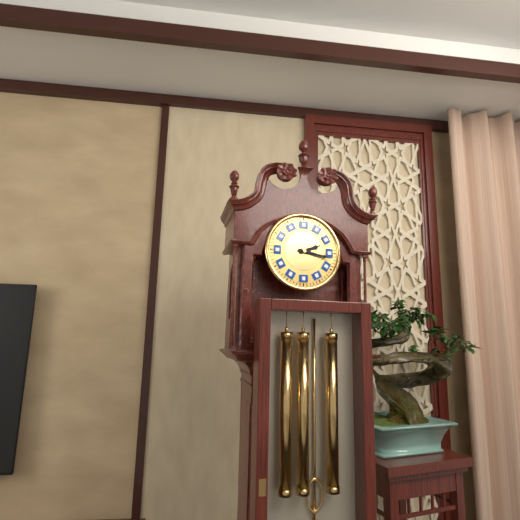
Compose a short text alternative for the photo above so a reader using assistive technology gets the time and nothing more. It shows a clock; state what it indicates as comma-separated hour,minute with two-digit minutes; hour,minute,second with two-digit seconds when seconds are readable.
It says 2,17
